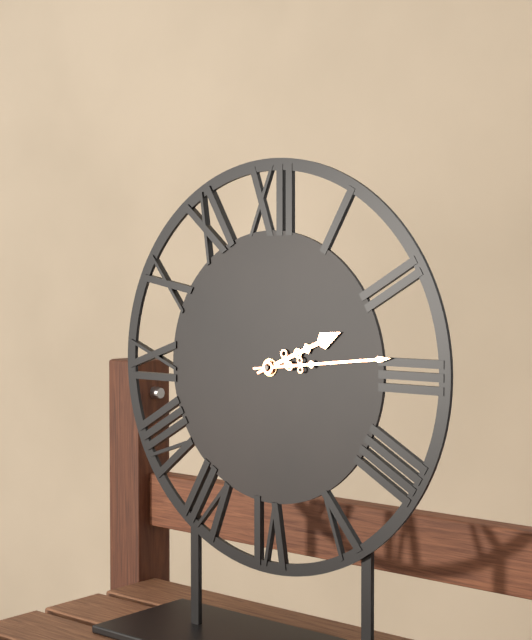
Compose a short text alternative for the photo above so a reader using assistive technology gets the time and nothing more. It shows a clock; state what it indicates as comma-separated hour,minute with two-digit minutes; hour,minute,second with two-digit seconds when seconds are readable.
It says 2,14
